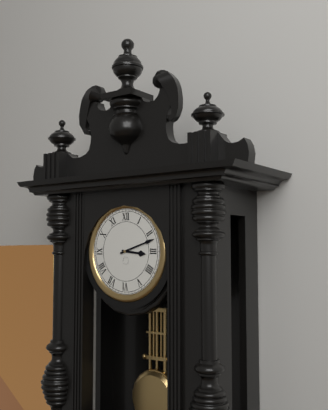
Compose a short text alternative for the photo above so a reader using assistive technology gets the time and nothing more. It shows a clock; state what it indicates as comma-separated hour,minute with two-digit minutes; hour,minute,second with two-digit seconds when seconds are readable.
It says 3,12
